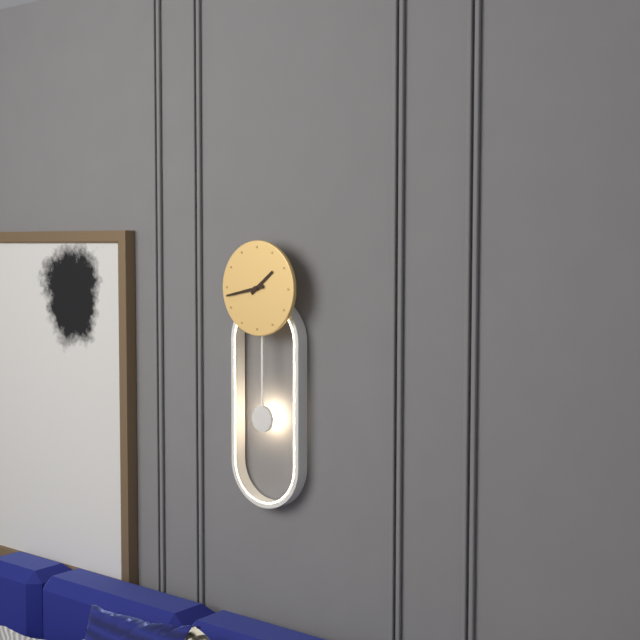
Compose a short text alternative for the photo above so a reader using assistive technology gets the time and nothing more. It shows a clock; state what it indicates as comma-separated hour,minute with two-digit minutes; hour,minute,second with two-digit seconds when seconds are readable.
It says 1,43
